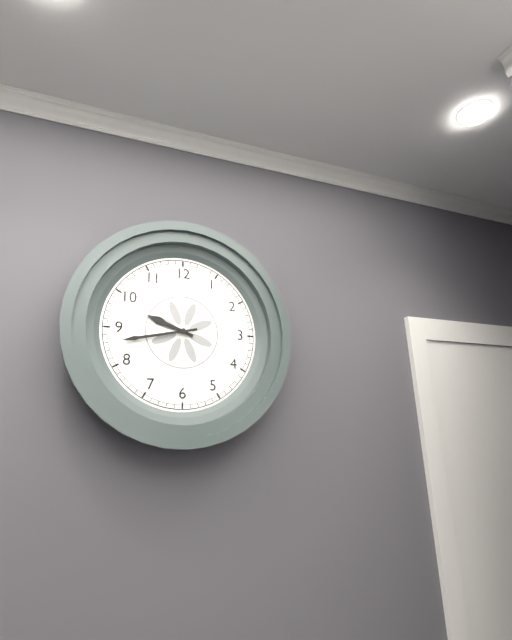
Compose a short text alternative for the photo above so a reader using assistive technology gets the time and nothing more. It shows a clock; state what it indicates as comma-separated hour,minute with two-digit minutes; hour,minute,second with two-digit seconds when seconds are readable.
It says 9,43
